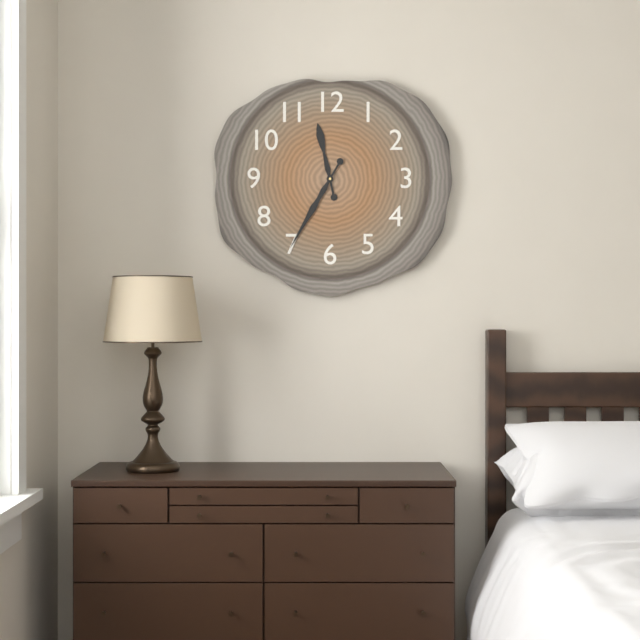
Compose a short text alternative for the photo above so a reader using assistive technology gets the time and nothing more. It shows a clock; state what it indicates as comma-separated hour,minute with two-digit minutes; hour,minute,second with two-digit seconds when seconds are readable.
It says 11,35
